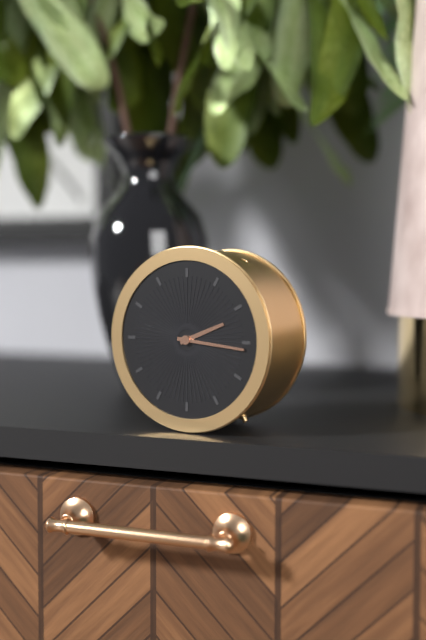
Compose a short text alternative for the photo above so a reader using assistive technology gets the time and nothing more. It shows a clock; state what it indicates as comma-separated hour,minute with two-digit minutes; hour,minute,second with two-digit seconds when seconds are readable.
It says 2,16
